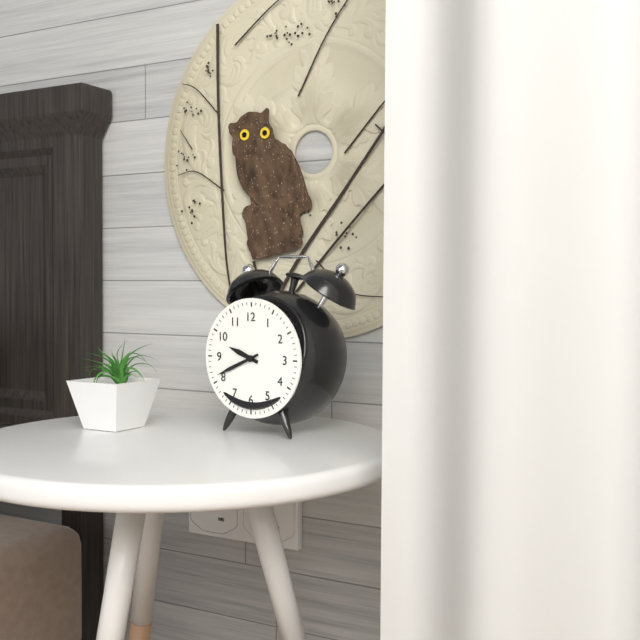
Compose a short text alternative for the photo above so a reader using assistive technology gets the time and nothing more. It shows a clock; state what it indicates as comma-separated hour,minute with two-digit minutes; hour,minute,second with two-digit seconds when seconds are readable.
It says 9,41
